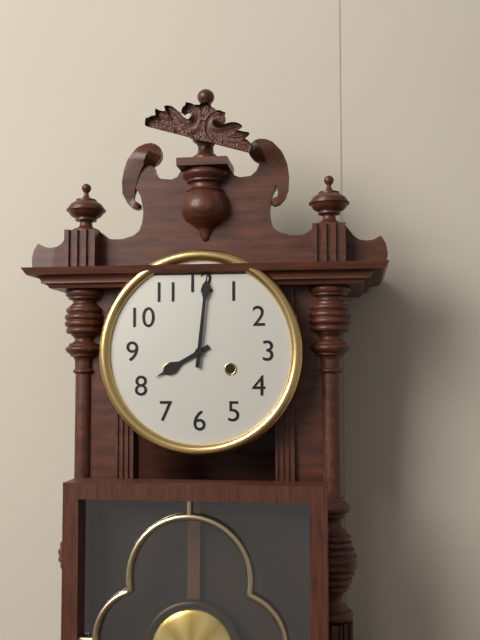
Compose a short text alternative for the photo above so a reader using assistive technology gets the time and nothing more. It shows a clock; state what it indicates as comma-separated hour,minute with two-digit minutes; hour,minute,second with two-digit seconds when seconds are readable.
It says 8,01
